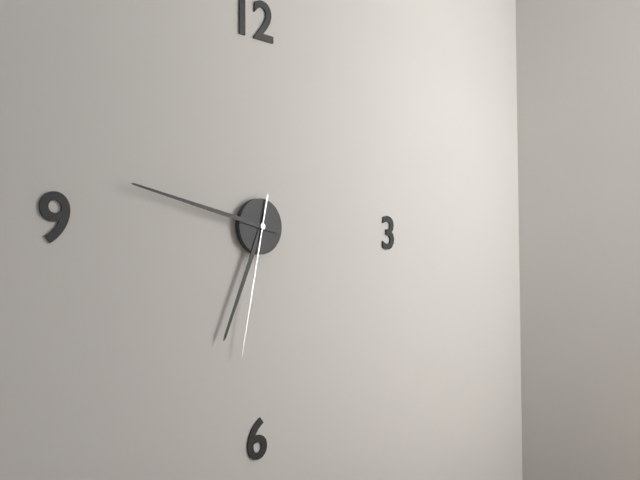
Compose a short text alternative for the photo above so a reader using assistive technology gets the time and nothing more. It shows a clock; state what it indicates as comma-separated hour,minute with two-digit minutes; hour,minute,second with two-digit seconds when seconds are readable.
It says 6,47,32
